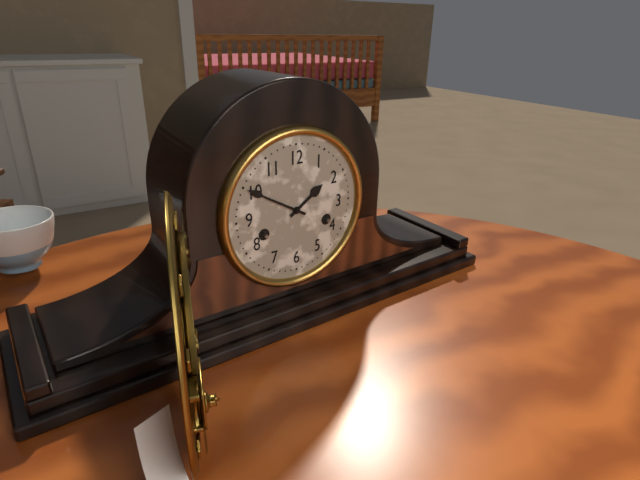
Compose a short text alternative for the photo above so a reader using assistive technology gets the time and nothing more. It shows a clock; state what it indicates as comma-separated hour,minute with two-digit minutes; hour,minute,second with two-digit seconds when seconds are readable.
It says 1,50
